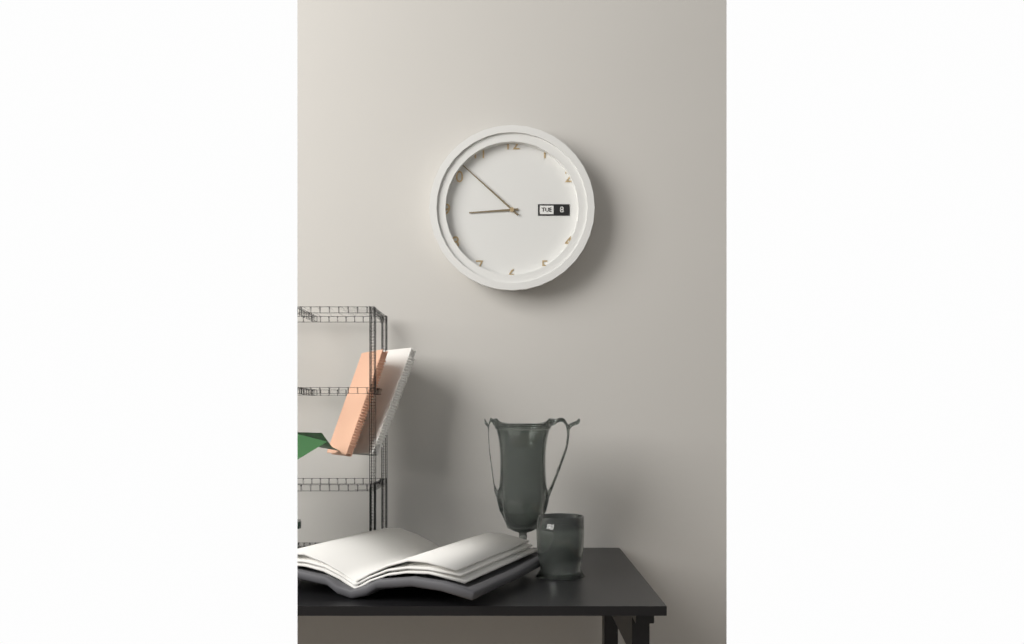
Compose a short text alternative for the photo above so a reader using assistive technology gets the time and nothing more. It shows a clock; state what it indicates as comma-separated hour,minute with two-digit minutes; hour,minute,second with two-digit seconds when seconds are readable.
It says 8,52
